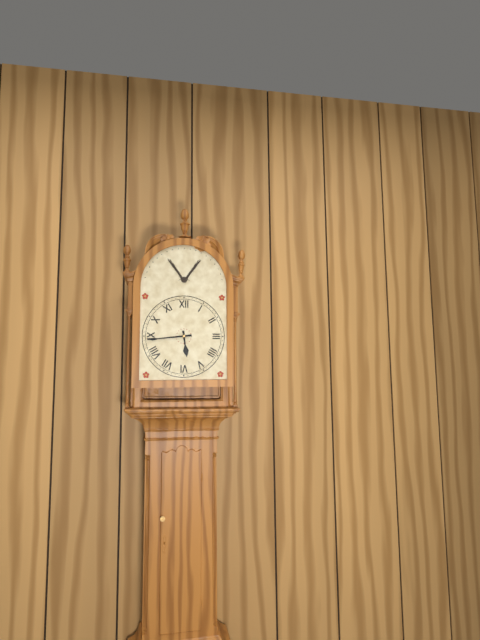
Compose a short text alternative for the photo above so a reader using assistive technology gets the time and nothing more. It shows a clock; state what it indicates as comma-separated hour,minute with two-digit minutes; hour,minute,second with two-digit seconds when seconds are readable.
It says 5,44
